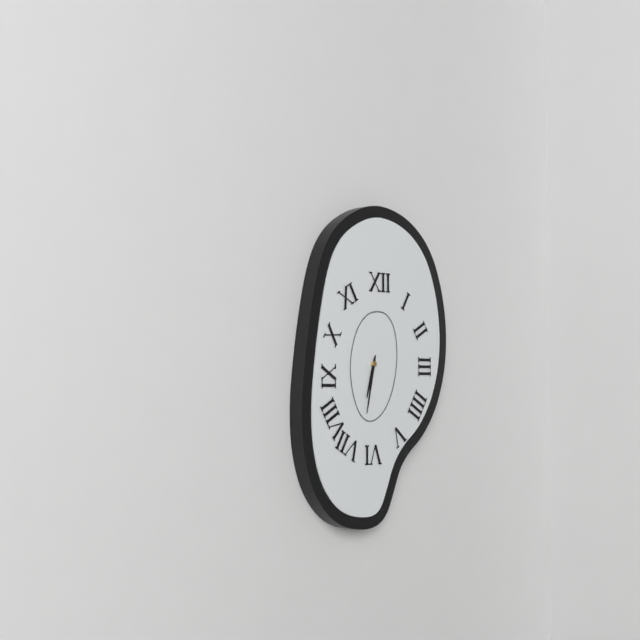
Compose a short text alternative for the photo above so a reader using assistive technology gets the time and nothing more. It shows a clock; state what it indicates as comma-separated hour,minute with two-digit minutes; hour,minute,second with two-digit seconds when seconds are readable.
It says 6,32
